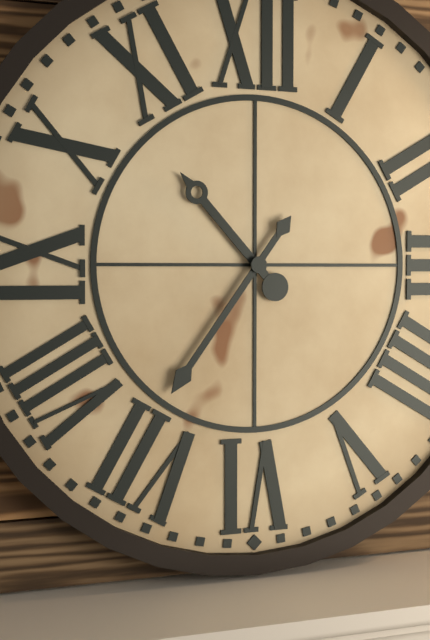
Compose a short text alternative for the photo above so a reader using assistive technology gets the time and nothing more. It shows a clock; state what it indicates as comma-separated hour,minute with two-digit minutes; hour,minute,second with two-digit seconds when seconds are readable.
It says 10,36
